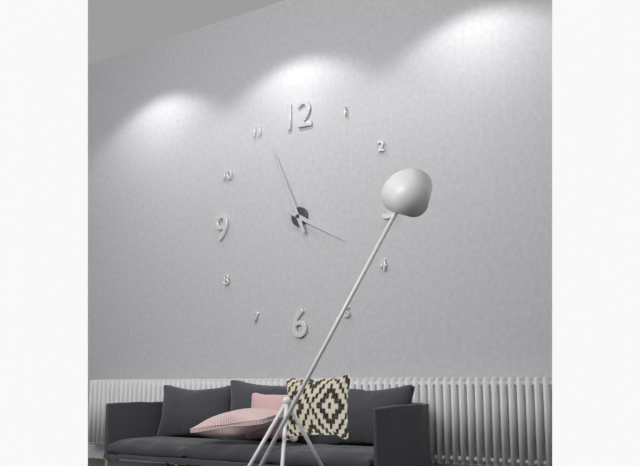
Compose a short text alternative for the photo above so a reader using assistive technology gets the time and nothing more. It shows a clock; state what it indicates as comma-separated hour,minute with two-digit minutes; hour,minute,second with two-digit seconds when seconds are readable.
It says 3,56
